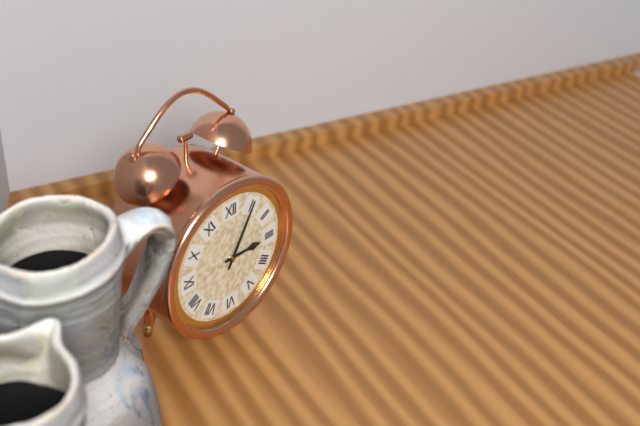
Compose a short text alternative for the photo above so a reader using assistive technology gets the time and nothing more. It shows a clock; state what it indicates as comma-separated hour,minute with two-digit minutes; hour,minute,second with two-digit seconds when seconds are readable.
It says 3,05
